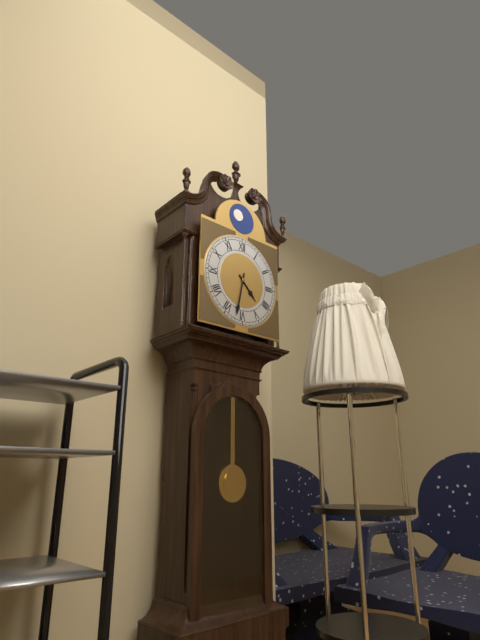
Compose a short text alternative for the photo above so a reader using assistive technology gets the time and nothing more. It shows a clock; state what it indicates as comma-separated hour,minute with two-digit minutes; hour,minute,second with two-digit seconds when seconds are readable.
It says 4,32
